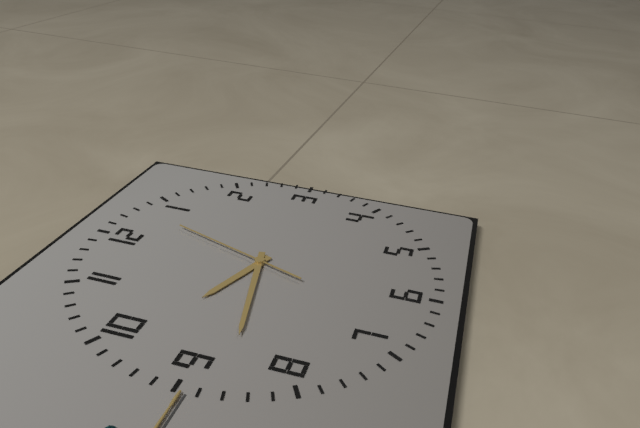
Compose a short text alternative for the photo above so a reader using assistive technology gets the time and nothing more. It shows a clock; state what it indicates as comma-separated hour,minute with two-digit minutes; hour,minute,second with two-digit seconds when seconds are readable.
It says 9,43,03
